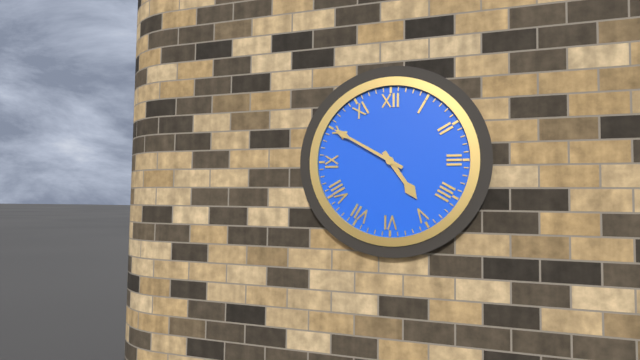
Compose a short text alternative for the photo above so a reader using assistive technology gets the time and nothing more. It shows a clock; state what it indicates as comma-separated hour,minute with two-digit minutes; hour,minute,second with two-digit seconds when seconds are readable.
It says 4,50
